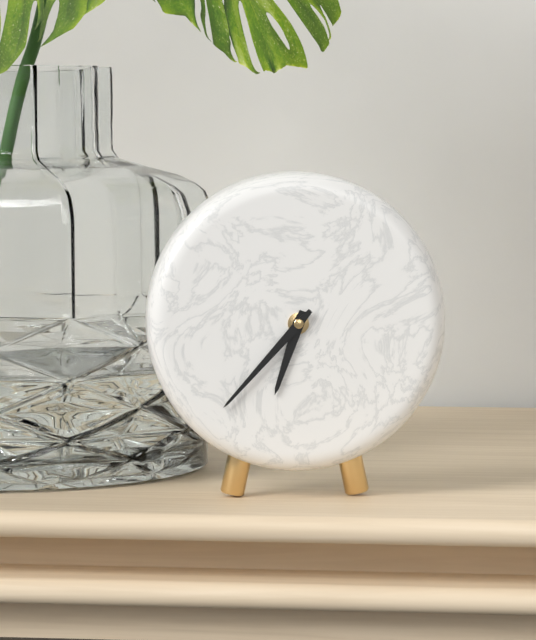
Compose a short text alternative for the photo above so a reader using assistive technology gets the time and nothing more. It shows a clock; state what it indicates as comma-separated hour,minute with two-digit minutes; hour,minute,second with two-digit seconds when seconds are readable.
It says 6,37
